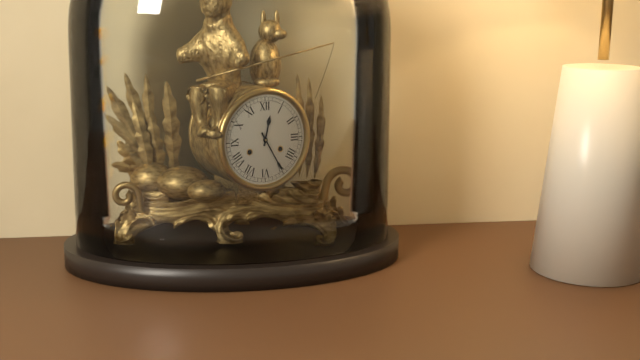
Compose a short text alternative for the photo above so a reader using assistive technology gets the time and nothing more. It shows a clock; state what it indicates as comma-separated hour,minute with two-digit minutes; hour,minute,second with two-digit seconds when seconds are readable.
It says 12,25
